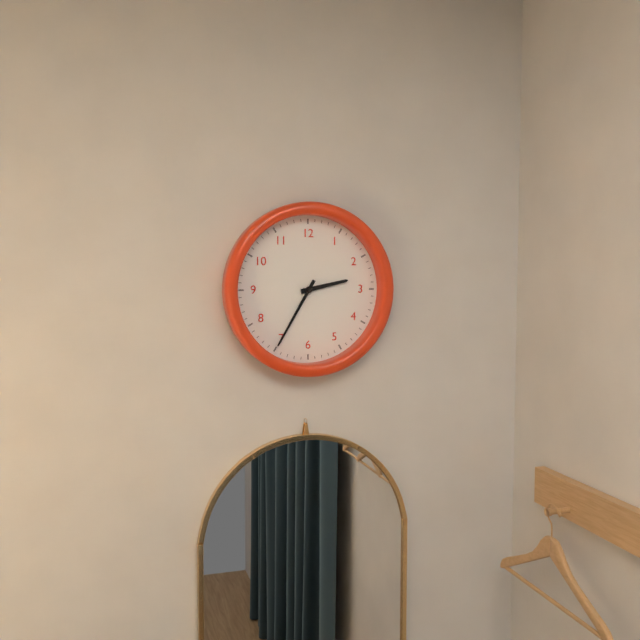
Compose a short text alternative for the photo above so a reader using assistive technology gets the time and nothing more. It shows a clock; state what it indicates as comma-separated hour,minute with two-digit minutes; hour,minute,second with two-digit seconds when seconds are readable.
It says 2,35
